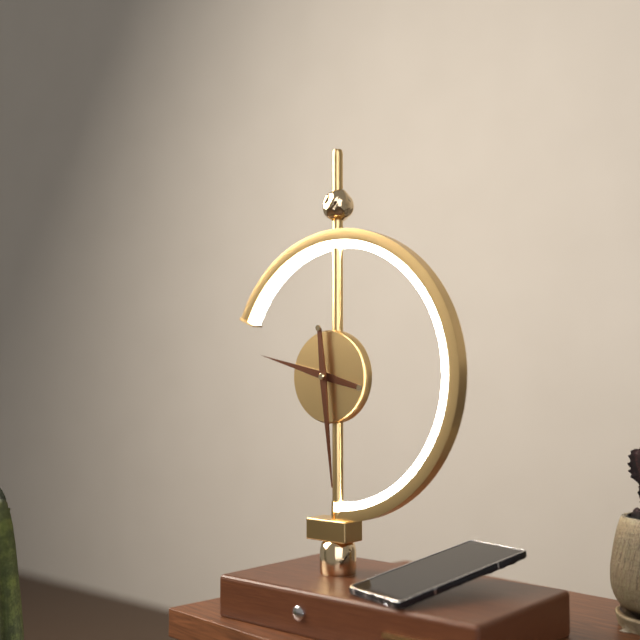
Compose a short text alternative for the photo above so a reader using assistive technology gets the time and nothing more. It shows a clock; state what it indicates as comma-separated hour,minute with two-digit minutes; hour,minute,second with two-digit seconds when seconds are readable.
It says 9,29
